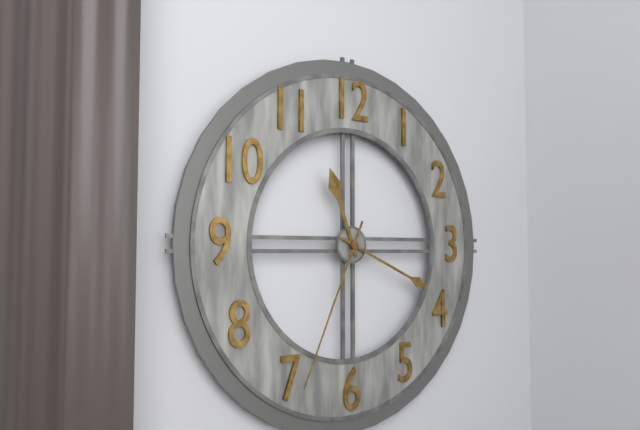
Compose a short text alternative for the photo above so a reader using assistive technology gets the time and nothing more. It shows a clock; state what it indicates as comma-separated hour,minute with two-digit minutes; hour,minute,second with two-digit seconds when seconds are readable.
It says 11,19,34
